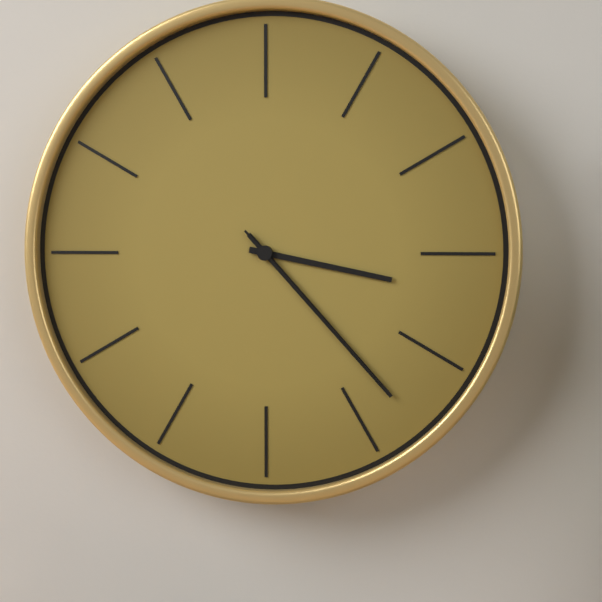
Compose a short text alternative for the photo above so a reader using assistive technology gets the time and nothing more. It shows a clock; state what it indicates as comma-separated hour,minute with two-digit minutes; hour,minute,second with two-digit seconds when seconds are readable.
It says 3,23,23
